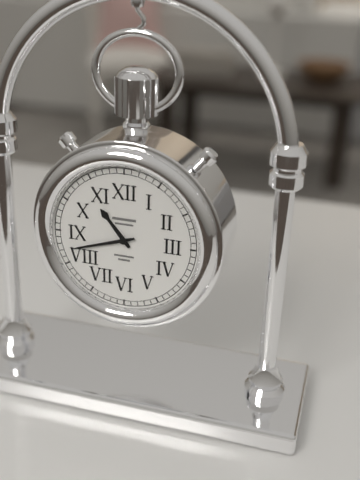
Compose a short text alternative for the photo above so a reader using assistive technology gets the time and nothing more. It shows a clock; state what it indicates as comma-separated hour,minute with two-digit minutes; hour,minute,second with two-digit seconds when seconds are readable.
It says 10,42
